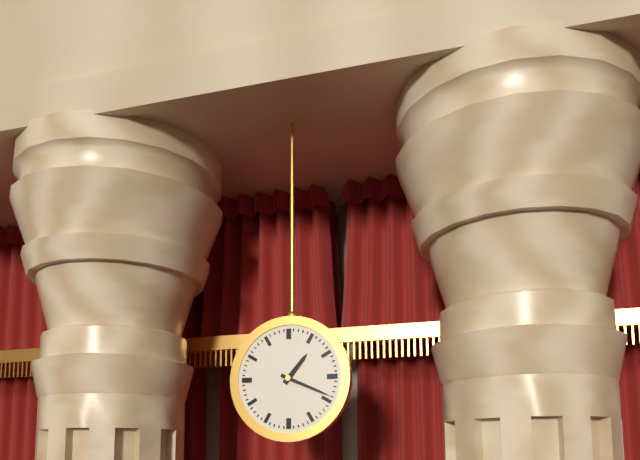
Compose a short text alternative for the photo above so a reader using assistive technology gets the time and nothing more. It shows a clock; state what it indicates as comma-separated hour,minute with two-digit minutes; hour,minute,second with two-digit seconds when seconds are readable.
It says 1,19
